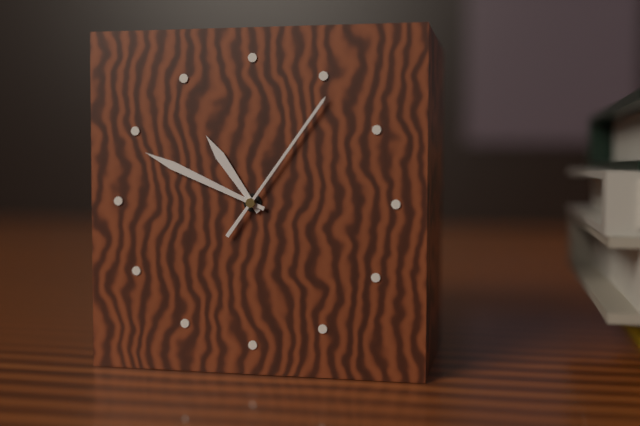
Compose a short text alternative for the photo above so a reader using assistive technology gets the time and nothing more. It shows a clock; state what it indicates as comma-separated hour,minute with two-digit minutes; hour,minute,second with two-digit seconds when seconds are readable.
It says 10,49,06
